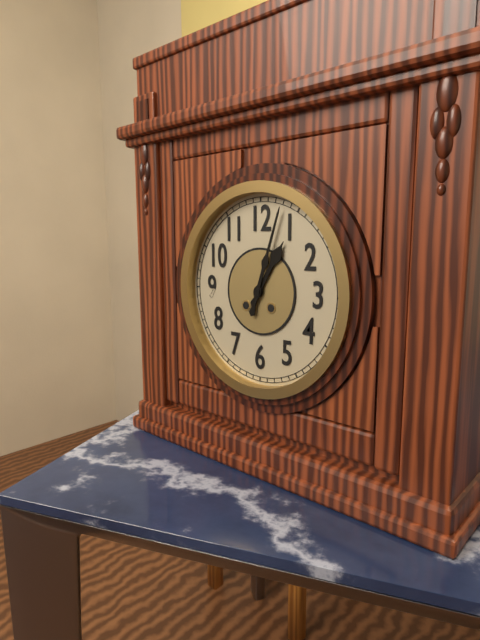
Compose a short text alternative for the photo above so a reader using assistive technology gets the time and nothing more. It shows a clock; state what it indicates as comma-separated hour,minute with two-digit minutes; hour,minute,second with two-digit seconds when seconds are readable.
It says 1,03
